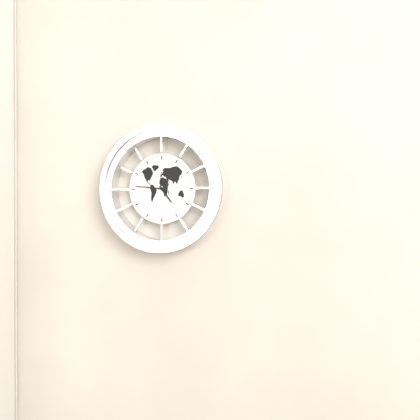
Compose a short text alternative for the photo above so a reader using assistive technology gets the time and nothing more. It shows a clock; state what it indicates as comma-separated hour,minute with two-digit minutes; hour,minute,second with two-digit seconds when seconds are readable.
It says 4,46
